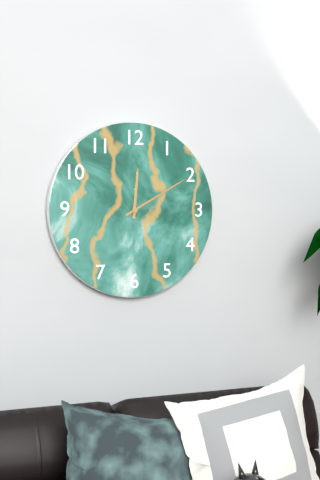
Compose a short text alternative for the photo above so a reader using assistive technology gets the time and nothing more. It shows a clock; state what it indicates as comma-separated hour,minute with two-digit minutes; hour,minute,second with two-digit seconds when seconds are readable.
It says 12,10
